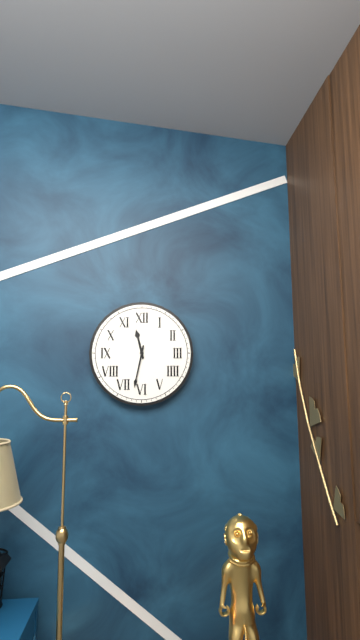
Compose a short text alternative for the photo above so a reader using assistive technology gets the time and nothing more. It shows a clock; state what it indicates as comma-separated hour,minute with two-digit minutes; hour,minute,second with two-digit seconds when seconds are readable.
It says 11,32
